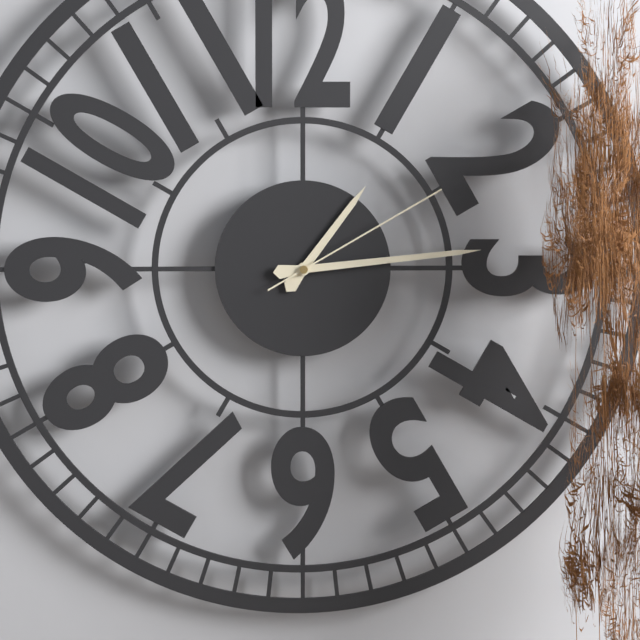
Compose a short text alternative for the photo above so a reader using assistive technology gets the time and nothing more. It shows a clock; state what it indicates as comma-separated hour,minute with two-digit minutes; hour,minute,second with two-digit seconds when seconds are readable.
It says 1,14,10
